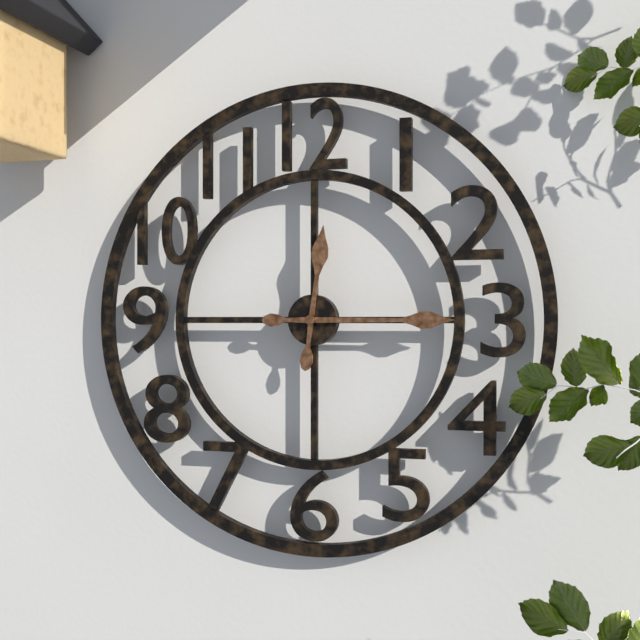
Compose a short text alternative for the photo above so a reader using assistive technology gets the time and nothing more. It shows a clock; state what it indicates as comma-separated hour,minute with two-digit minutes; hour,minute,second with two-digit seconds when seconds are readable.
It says 12,15
